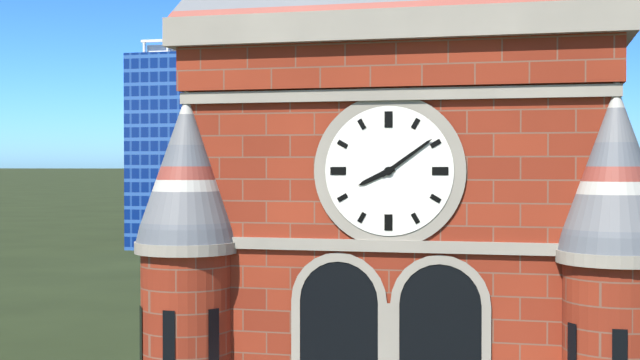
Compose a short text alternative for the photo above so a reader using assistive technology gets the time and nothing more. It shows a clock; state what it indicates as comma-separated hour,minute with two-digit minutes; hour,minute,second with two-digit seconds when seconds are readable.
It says 8,09
